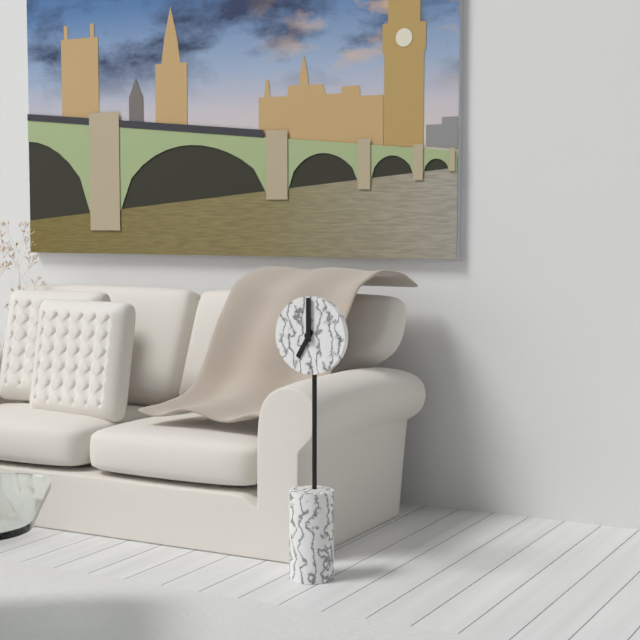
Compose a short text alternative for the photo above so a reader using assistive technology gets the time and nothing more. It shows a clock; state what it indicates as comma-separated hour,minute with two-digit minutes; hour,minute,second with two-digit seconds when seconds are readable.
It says 7,00
